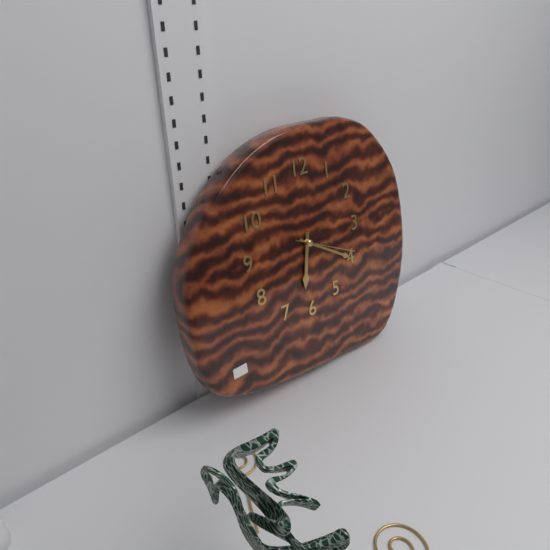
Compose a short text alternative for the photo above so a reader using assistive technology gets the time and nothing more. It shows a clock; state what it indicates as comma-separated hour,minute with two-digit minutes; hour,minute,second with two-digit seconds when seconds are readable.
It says 6,20,19
